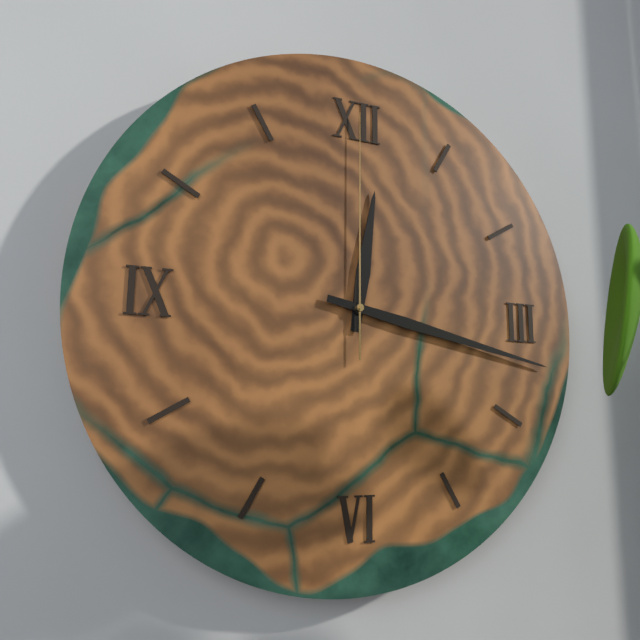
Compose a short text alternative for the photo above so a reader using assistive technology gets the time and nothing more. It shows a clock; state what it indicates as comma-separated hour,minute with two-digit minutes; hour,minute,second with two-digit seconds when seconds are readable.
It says 12,17,00
